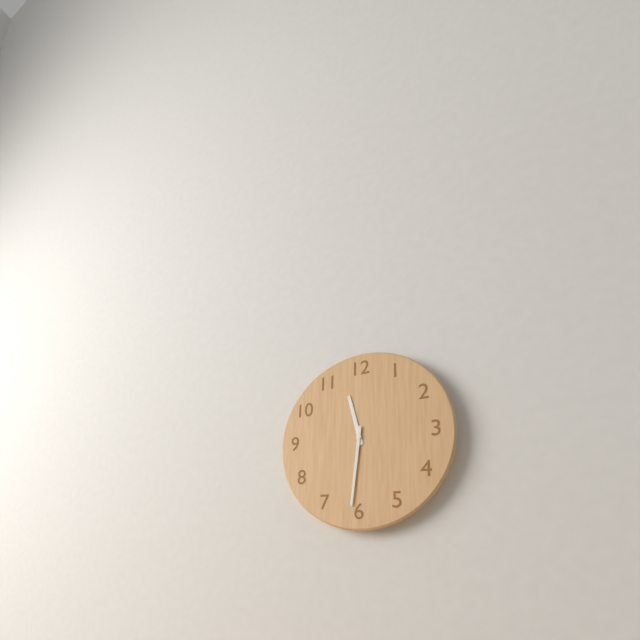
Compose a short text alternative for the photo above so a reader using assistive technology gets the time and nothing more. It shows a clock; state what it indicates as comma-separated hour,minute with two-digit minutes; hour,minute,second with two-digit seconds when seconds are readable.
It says 11,31
